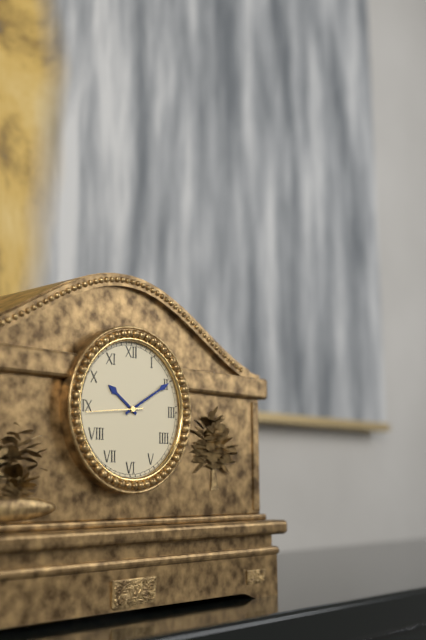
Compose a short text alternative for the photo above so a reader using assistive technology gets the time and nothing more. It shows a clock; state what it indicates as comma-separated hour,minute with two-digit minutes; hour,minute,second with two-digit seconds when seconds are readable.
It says 10,10,44
